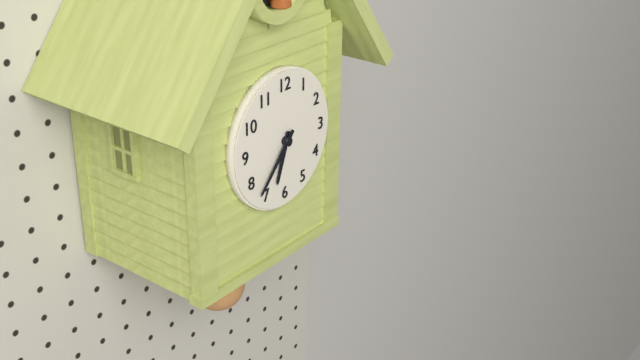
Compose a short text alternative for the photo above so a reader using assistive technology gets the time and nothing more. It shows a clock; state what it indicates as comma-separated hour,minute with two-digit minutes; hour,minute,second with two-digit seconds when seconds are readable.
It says 6,37
